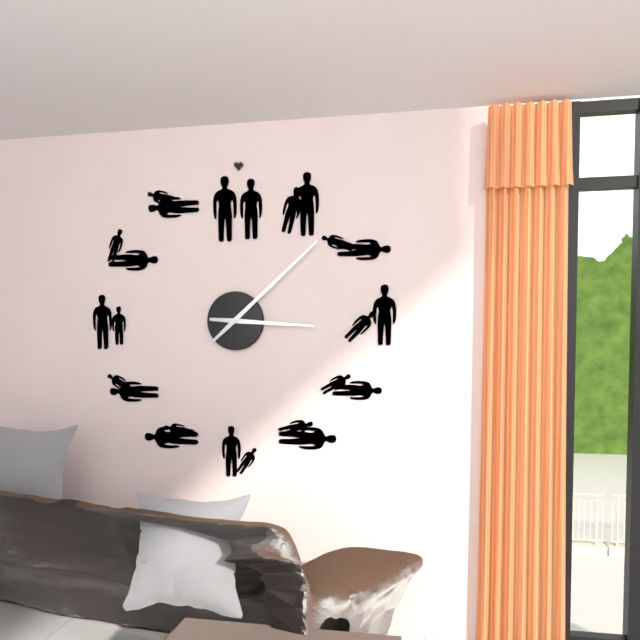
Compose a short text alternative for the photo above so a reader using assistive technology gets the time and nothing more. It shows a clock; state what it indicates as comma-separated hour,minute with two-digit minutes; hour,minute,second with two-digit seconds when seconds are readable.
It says 3,08
